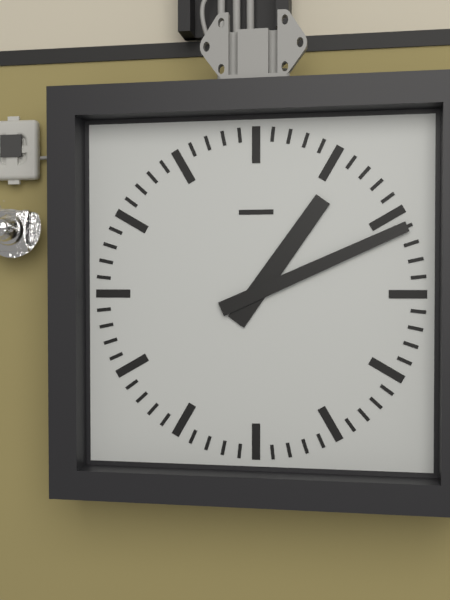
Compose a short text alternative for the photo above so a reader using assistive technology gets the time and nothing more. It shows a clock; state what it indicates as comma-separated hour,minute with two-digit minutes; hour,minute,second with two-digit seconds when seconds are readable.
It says 1,11
